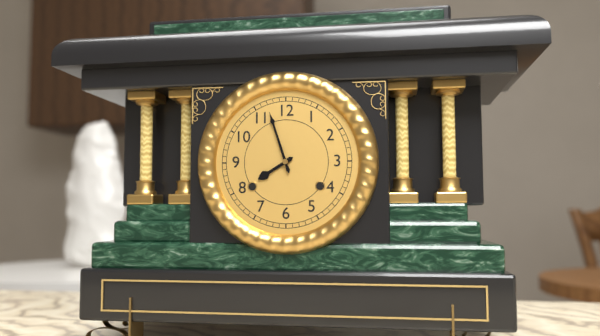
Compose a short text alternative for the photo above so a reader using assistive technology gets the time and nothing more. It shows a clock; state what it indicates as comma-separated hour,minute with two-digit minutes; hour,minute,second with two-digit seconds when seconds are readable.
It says 7,57
